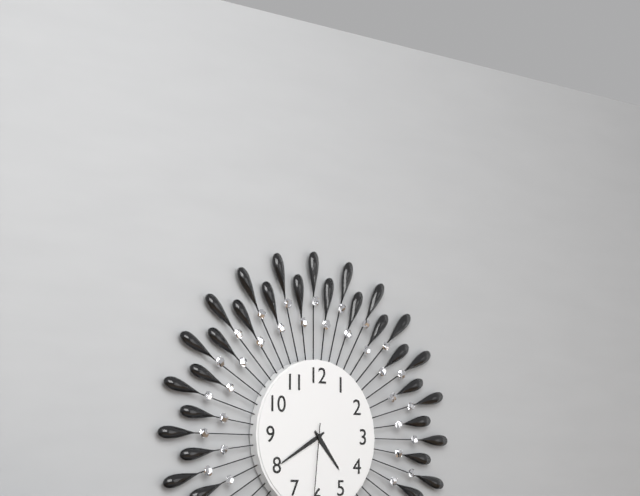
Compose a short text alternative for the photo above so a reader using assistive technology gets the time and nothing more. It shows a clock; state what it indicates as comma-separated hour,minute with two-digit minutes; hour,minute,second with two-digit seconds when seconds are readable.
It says 4,40
